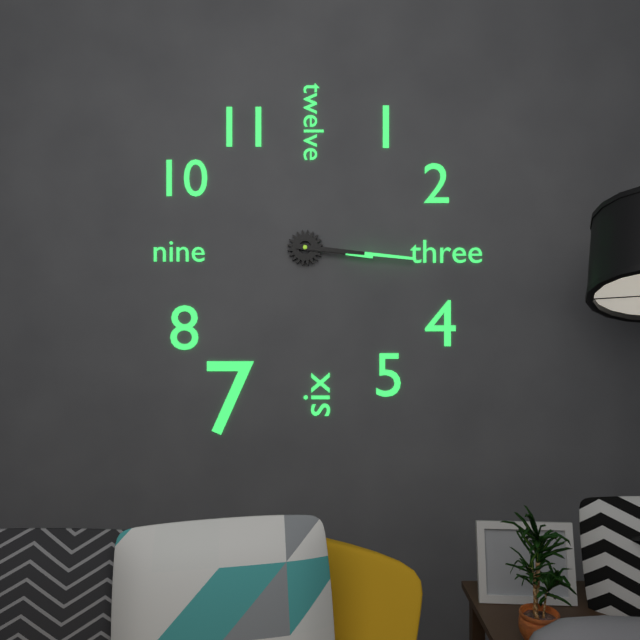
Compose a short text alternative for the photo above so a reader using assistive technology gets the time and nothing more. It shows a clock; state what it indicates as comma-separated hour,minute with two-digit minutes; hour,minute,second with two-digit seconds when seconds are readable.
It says 3,16
